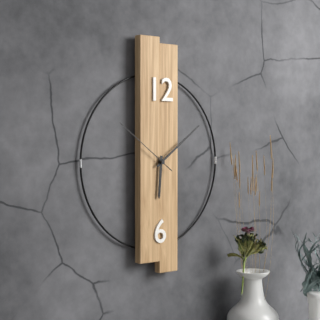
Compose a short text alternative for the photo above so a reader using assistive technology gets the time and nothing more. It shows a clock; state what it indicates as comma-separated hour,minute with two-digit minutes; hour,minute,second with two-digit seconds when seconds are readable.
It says 6,09,51
